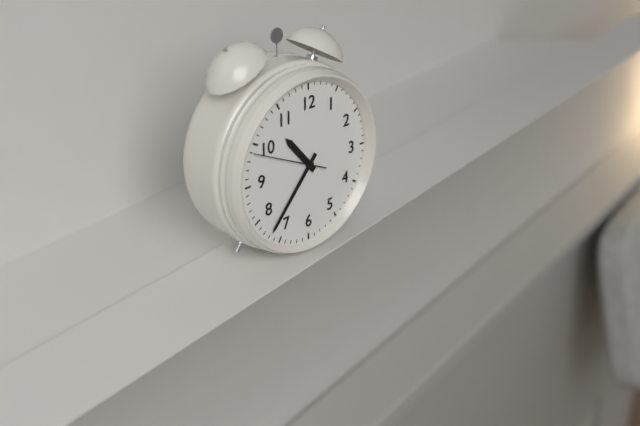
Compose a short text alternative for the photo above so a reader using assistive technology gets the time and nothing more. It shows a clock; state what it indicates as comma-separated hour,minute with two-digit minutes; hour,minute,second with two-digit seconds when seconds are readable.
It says 10,37,49
